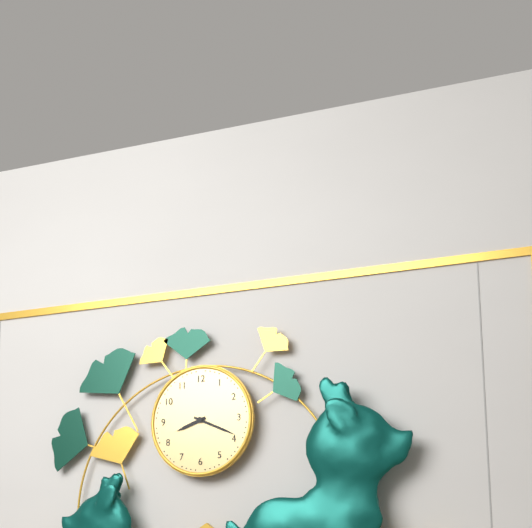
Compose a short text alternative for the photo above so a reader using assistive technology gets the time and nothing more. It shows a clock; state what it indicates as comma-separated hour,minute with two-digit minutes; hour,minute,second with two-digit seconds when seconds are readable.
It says 8,19
